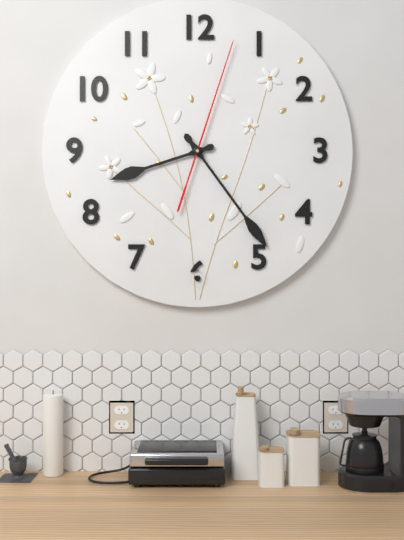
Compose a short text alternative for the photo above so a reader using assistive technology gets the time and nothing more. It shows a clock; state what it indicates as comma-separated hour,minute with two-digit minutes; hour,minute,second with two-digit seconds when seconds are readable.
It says 8,24,03
